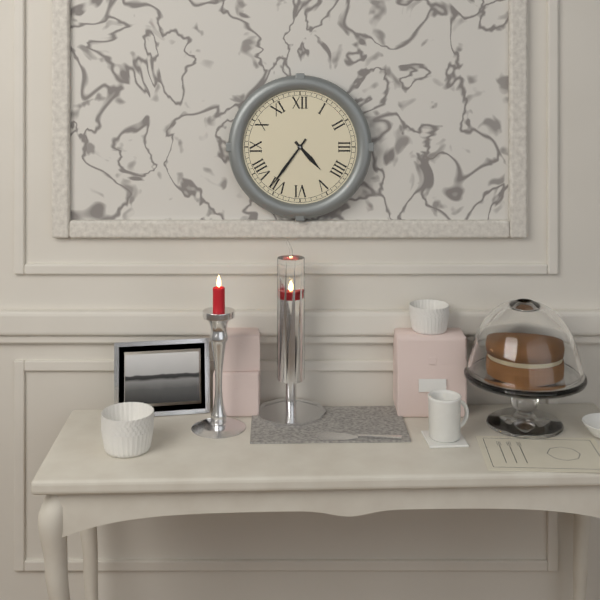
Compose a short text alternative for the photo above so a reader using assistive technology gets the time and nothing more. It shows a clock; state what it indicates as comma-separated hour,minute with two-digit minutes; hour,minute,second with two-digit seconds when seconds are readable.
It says 4,36
